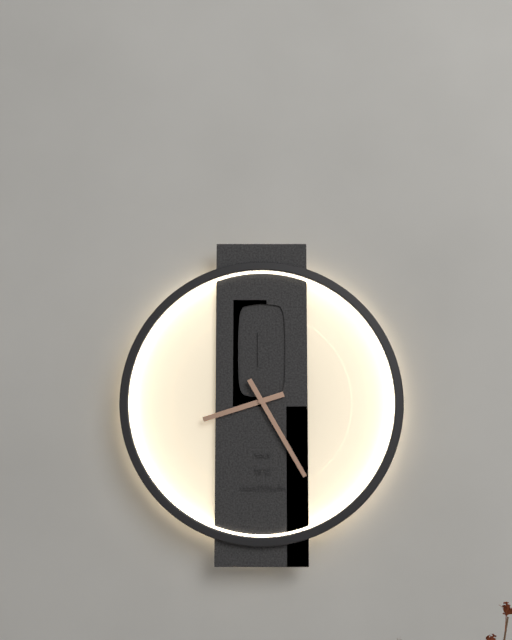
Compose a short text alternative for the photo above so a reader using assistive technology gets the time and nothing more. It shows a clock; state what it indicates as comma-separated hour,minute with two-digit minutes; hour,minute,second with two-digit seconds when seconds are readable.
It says 8,25
